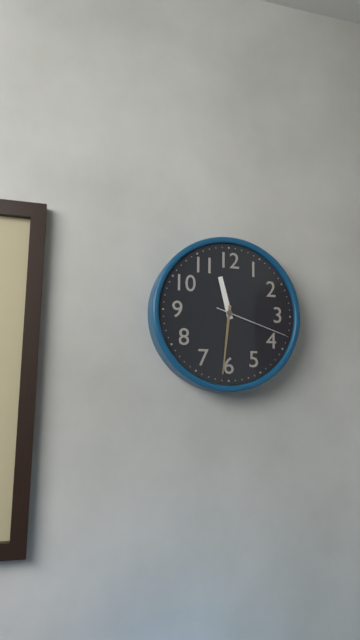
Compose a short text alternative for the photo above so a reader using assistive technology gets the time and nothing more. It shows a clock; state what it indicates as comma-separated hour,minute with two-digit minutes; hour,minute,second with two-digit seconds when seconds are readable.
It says 11,31,18
